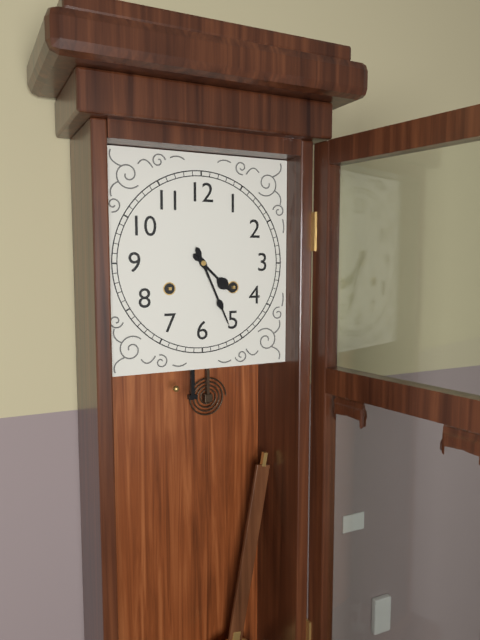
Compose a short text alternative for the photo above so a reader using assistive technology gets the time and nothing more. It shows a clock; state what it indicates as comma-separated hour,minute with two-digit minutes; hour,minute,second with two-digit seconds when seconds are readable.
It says 4,26
